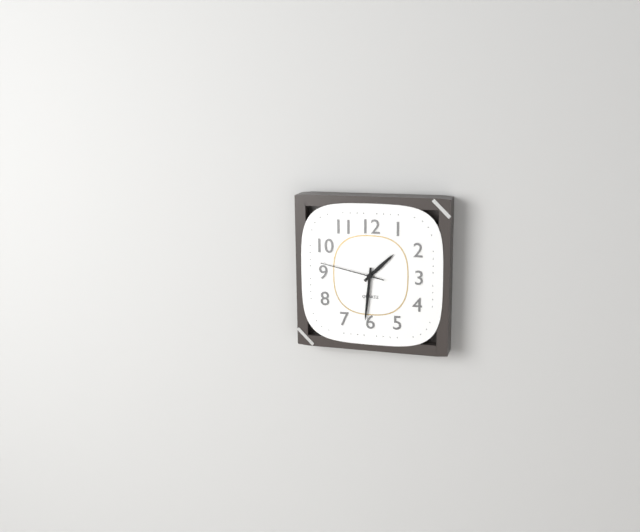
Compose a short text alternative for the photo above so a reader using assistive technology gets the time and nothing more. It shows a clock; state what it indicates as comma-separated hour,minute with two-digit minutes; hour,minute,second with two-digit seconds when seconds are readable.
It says 1,31,47
